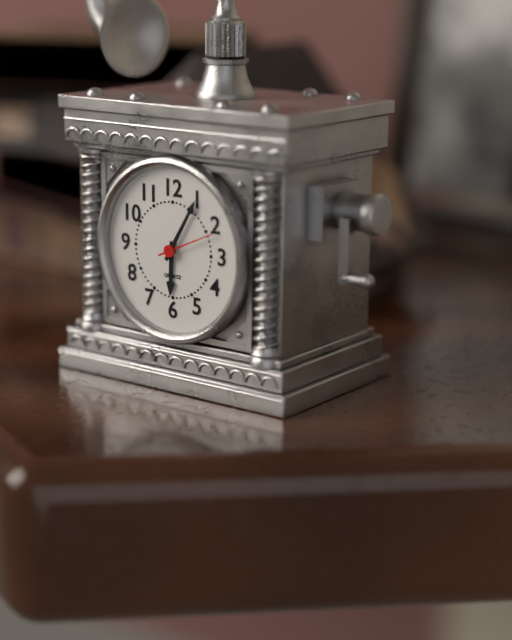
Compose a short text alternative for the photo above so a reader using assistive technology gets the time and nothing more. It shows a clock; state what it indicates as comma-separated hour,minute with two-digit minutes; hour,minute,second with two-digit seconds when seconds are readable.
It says 6,05,11
